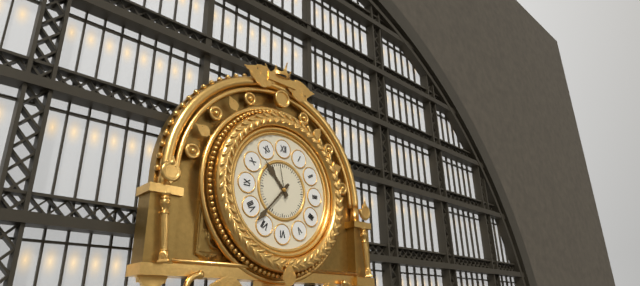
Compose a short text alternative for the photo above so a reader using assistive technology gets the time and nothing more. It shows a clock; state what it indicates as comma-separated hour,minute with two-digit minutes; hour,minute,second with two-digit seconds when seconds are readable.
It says 10,37
